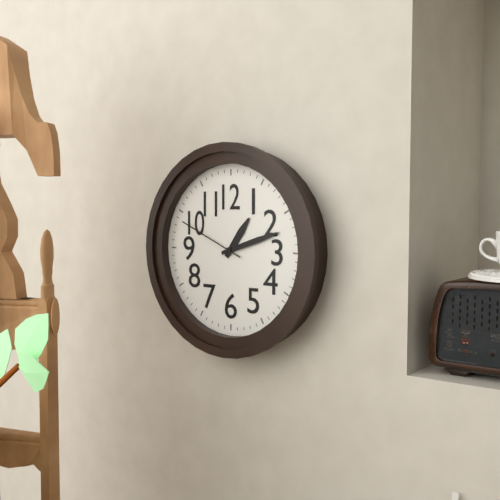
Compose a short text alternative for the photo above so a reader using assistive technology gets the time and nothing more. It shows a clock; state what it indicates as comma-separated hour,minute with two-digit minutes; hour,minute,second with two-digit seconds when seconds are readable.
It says 1,12,49
